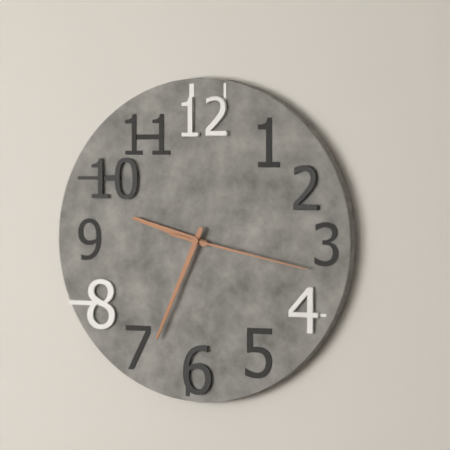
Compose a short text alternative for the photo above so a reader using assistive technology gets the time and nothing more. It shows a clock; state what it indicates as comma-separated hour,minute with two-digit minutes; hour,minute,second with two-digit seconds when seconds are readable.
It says 9,34,17
